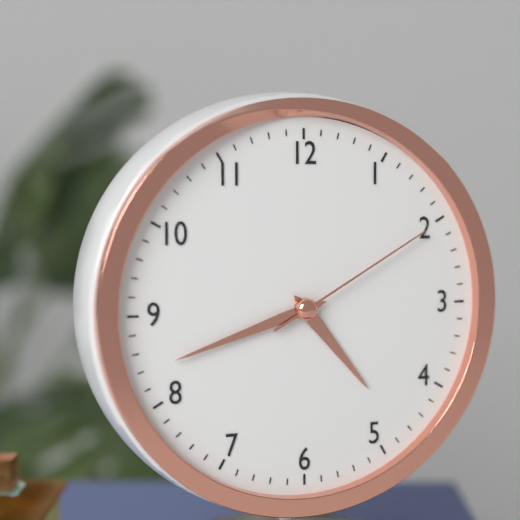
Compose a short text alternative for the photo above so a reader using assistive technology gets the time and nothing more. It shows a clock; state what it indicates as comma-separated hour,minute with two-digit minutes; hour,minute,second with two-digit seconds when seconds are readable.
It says 4,42,10
